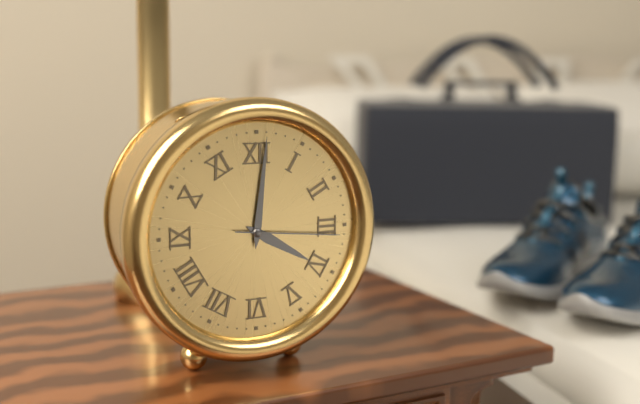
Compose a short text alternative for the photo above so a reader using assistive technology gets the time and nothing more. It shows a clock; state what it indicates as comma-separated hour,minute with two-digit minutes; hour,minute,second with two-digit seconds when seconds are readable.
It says 4,01,16
